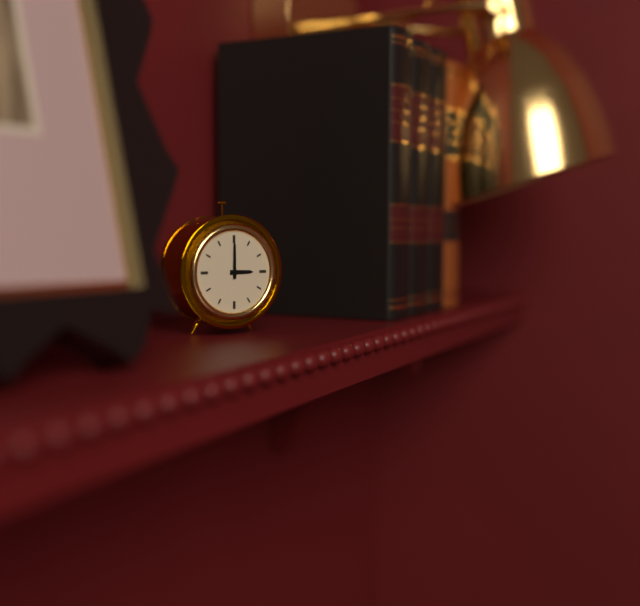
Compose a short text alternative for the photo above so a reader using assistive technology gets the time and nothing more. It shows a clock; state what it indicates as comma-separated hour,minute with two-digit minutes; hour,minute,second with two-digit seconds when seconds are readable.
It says 3,00
